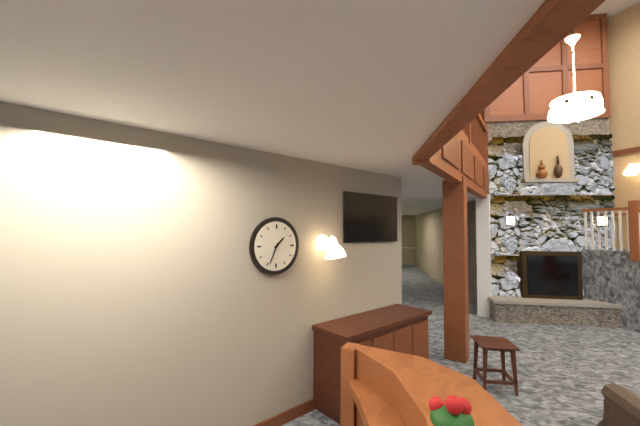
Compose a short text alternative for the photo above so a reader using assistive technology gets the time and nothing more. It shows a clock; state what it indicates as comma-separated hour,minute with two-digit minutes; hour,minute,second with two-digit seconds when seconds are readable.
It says 1,34
